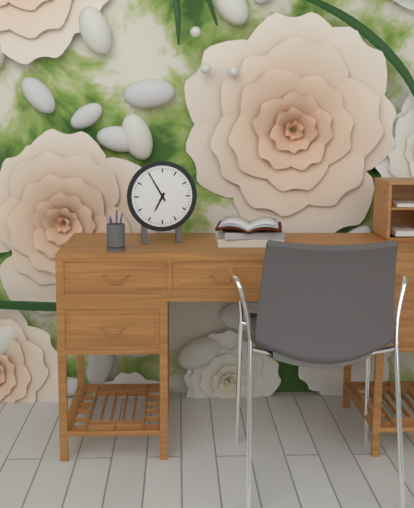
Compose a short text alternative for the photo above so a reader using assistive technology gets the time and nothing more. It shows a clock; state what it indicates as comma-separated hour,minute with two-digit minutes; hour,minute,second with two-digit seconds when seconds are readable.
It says 6,55
